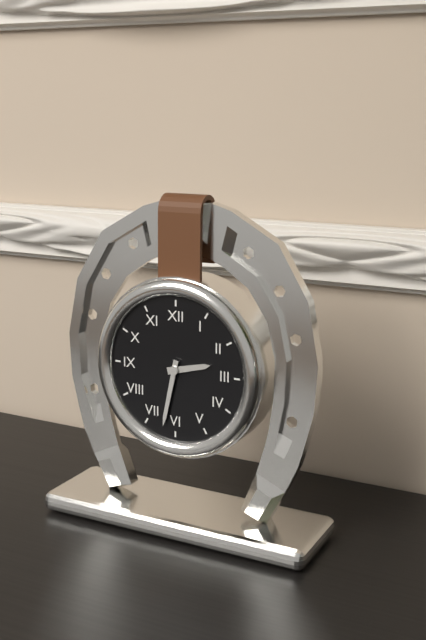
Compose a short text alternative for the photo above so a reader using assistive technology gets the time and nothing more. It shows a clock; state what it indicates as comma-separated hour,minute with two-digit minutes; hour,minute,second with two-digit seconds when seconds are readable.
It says 2,32
